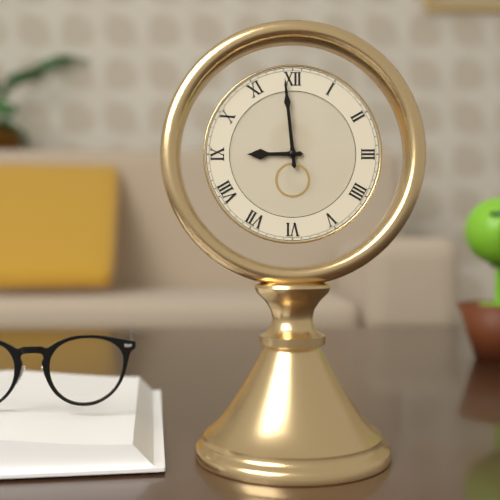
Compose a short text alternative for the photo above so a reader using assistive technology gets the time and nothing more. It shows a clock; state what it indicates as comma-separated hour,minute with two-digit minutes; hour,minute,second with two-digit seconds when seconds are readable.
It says 8,59
